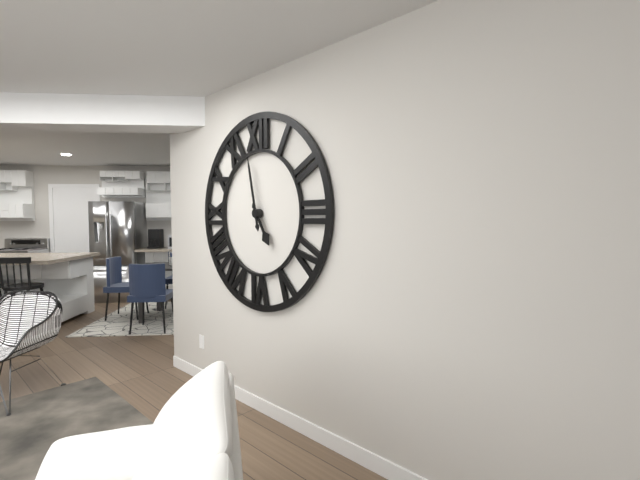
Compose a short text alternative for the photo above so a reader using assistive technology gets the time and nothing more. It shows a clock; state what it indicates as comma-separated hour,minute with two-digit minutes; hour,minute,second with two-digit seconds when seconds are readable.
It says 4,58
